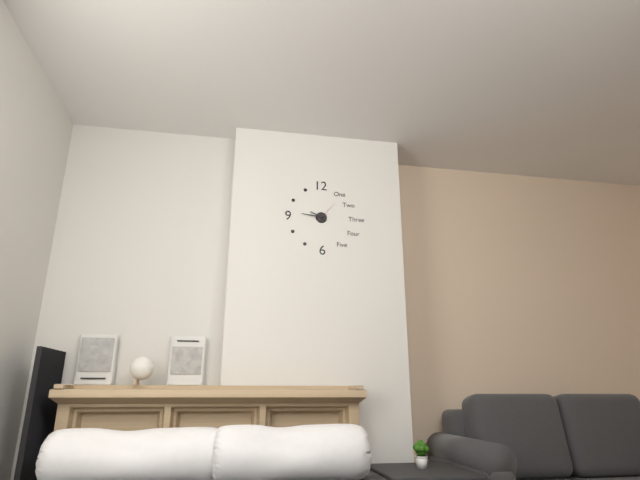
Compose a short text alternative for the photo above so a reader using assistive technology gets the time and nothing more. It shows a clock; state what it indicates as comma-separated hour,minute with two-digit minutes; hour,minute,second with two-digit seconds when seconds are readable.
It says 9,46
